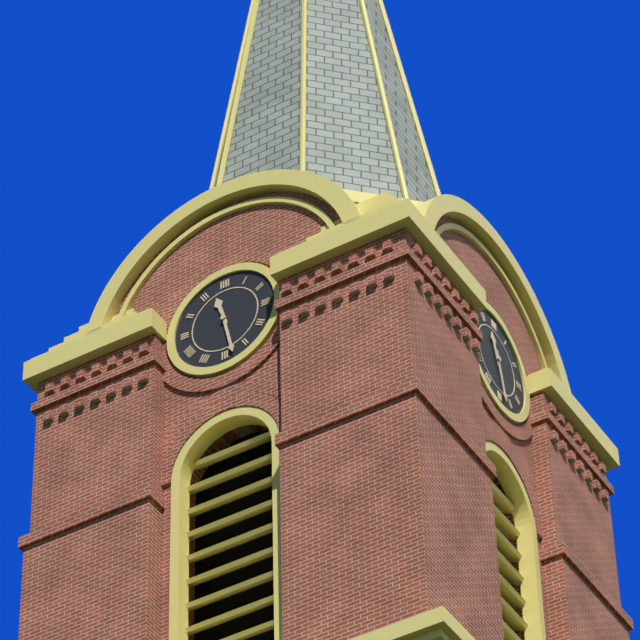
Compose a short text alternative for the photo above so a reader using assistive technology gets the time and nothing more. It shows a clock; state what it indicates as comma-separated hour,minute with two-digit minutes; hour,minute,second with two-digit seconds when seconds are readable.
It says 11,28
